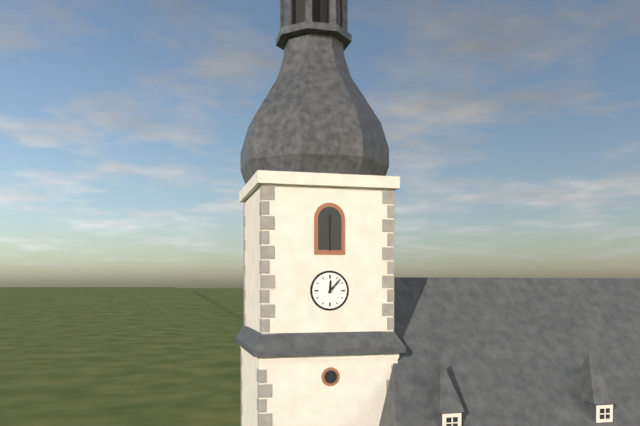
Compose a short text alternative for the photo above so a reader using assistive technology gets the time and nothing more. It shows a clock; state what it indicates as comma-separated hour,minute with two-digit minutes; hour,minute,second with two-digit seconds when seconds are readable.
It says 12,07
